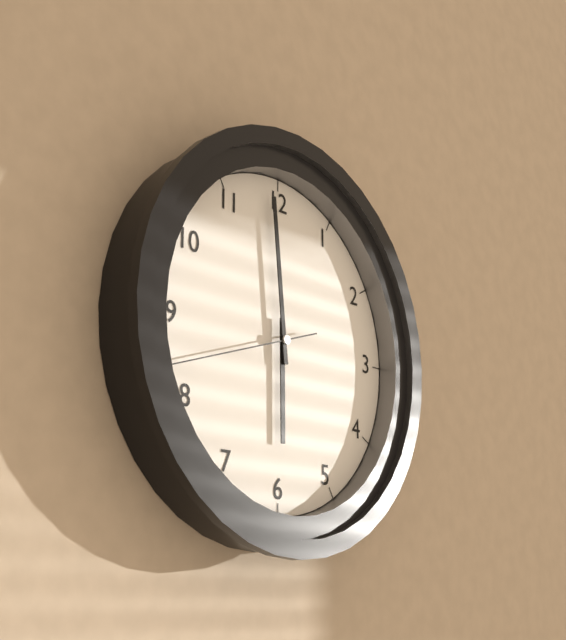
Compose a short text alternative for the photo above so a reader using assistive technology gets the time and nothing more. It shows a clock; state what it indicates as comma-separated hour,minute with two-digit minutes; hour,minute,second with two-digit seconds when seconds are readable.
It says 5,59,42
